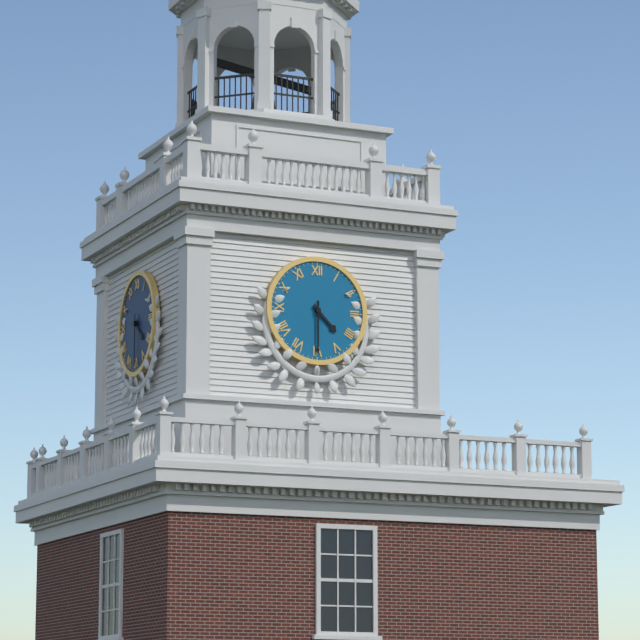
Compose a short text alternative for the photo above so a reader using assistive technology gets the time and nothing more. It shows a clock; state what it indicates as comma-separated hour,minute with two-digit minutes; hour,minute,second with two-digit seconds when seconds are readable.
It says 4,30
